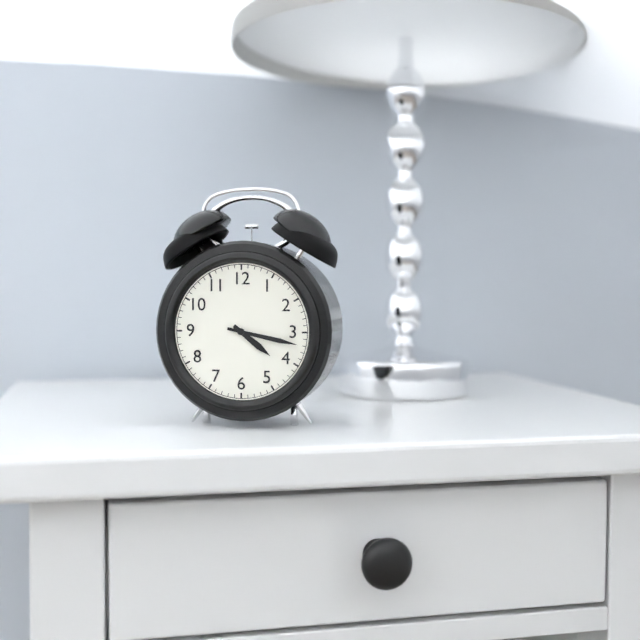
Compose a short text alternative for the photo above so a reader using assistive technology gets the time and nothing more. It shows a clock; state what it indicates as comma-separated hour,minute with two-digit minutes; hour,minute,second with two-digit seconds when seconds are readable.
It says 4,17
